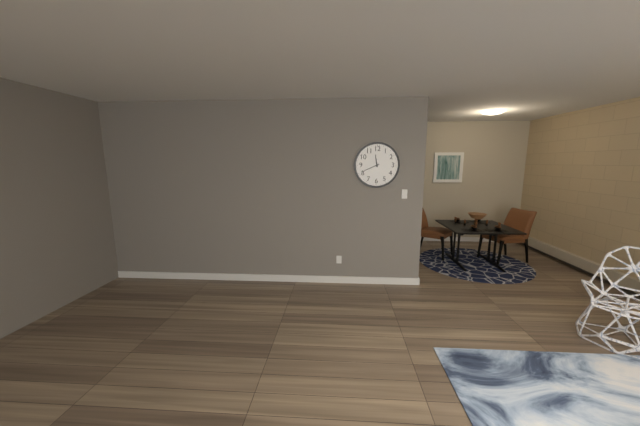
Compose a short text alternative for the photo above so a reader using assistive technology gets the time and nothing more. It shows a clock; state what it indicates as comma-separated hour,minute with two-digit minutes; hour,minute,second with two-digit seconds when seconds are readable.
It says 11,41
